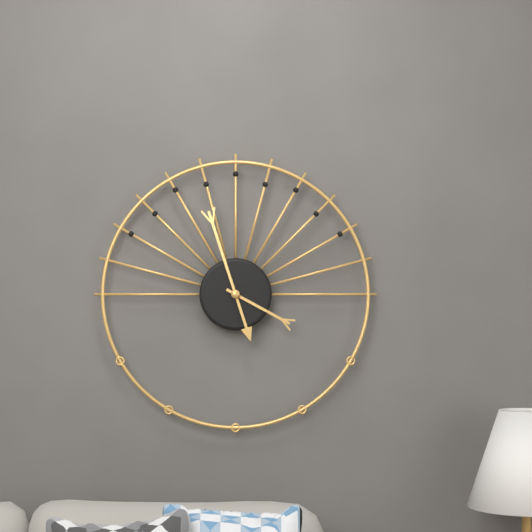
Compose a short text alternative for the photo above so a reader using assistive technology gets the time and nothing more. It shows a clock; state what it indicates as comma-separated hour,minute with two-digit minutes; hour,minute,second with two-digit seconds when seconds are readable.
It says 3,57
